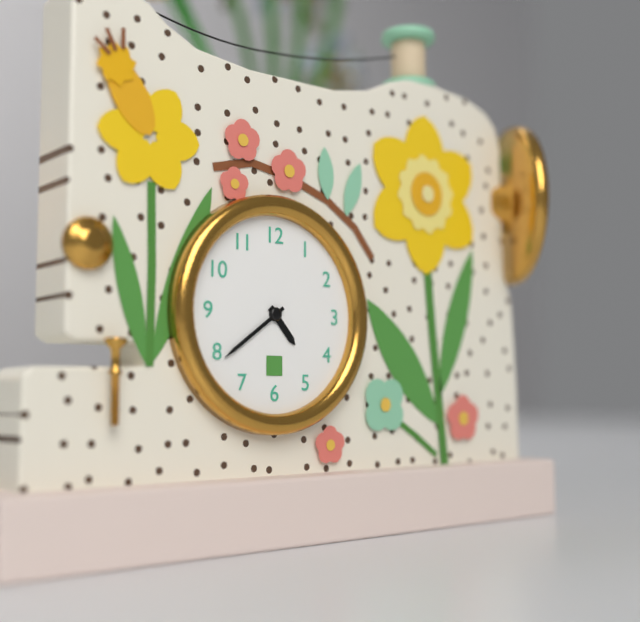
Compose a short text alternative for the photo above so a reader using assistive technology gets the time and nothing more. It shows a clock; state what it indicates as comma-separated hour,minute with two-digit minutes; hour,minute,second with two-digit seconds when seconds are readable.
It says 4,39
